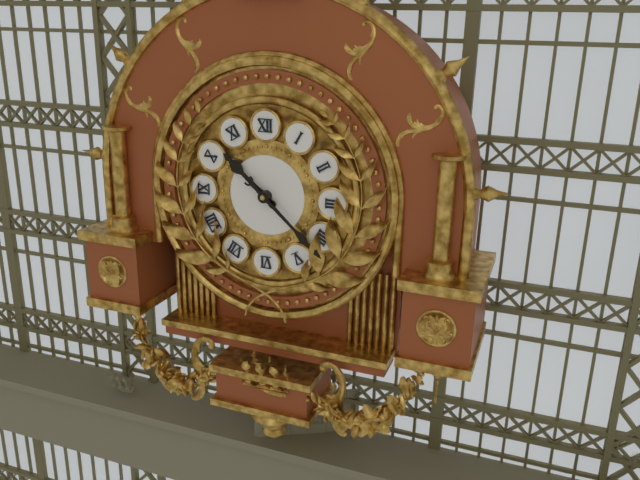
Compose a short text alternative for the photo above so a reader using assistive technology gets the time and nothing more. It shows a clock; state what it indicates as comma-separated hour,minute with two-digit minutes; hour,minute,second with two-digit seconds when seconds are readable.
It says 10,22
